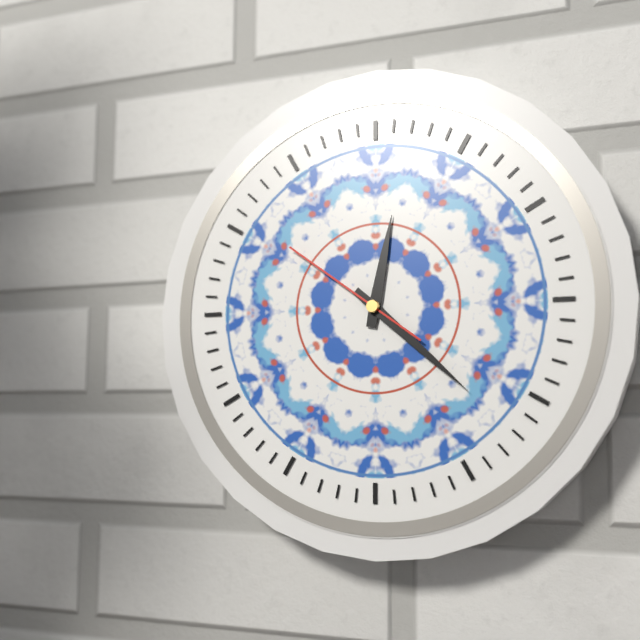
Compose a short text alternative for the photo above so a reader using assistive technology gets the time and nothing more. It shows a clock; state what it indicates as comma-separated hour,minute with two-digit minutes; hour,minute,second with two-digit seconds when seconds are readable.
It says 12,22,51
